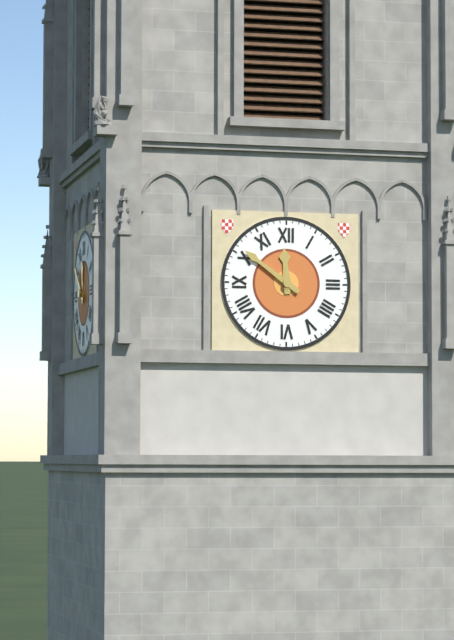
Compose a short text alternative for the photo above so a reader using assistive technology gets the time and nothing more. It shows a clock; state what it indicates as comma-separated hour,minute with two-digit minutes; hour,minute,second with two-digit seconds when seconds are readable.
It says 11,51
